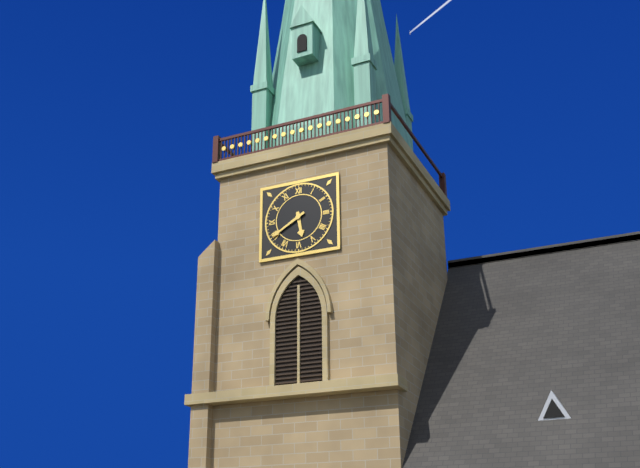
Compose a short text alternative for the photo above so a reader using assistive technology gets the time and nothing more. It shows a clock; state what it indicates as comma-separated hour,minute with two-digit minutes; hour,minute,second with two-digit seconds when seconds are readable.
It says 5,40
